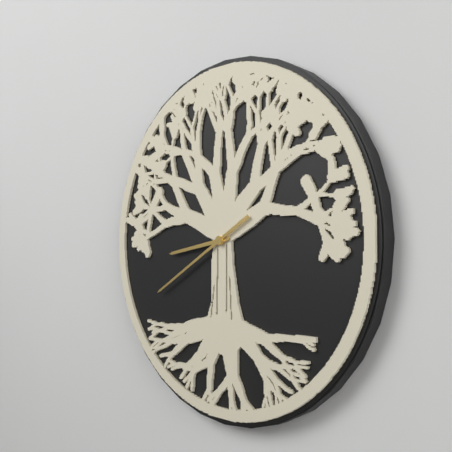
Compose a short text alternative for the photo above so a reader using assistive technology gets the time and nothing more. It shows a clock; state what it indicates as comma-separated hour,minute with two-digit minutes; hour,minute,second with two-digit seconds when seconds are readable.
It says 8,40
